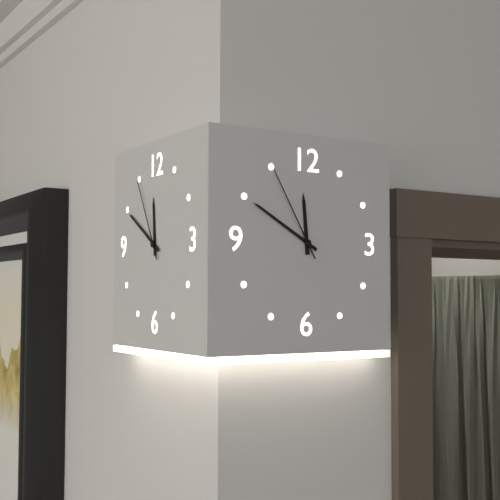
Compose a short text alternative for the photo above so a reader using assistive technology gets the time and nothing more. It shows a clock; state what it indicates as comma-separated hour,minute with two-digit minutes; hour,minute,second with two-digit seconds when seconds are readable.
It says 11,50,55
